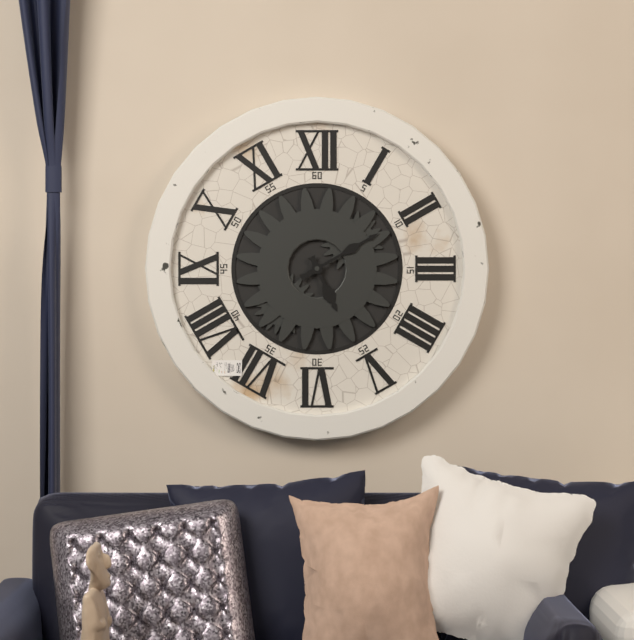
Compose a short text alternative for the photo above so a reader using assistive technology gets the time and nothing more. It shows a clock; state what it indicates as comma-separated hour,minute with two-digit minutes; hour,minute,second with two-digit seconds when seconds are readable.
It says 5,10
